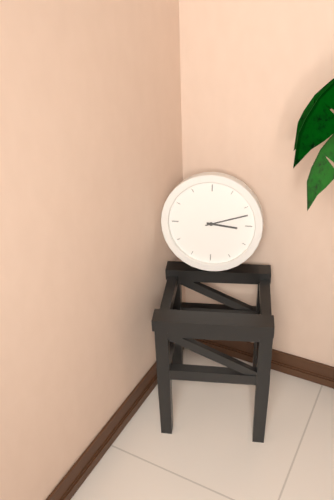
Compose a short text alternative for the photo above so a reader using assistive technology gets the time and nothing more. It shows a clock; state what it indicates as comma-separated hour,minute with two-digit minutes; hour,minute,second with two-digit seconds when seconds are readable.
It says 3,12
